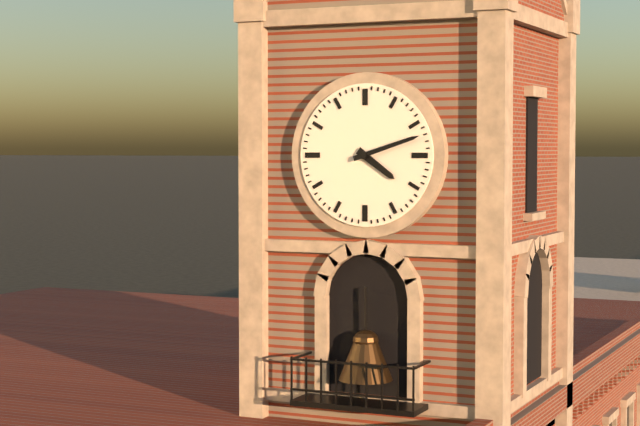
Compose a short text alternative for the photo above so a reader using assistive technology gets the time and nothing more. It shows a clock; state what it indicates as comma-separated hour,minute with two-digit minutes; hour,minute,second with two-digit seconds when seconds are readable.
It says 4,12
